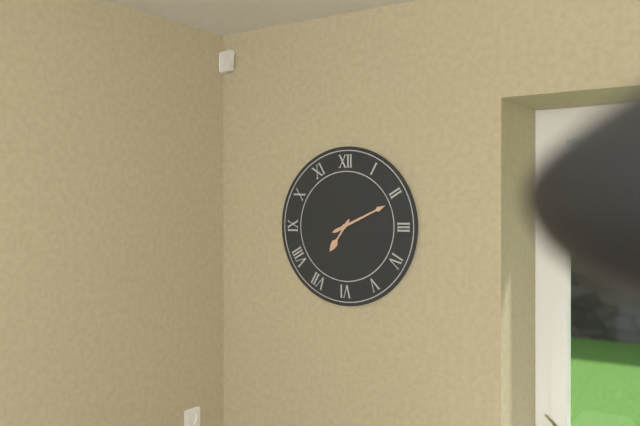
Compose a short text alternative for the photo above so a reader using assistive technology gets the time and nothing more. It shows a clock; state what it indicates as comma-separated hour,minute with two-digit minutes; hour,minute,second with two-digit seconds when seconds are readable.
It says 7,11
